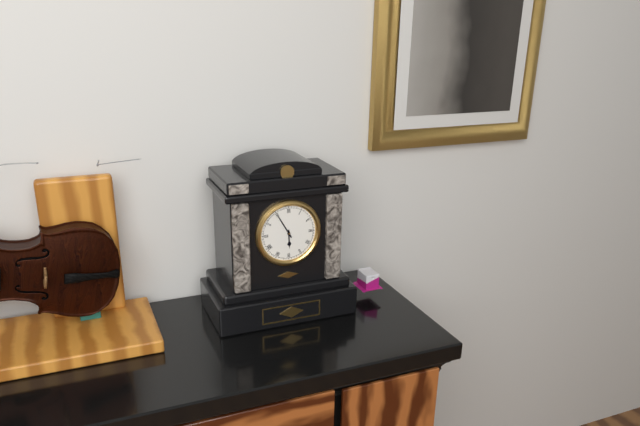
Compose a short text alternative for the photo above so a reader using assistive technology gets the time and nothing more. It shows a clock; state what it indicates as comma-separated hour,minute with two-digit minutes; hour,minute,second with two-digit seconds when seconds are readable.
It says 5,55
